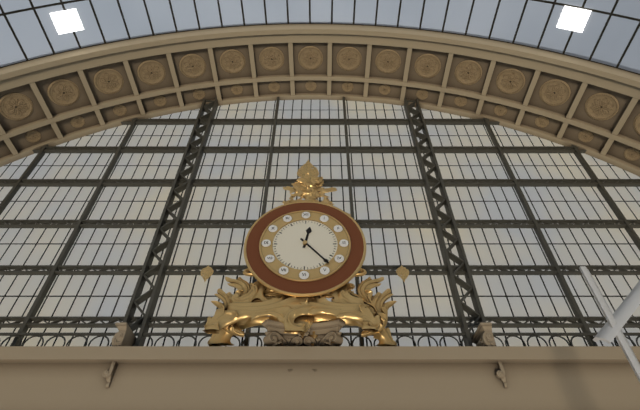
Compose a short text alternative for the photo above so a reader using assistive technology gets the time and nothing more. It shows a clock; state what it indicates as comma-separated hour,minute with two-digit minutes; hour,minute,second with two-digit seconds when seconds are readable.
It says 12,23
